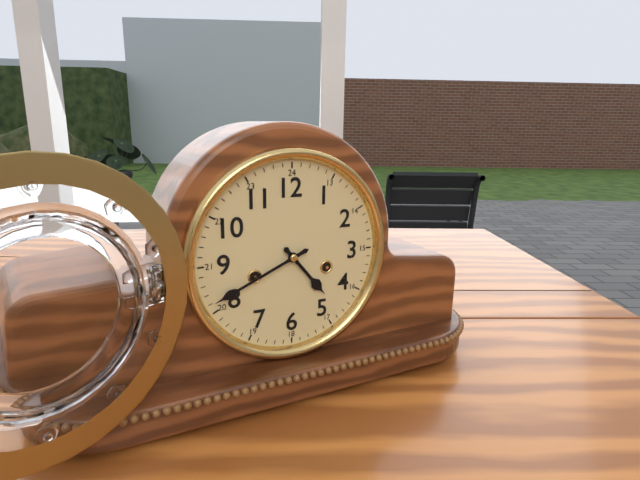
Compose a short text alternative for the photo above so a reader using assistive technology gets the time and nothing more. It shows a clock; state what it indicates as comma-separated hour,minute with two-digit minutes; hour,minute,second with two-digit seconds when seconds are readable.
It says 4,41
